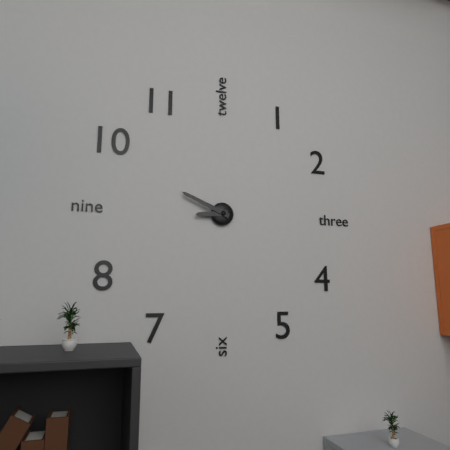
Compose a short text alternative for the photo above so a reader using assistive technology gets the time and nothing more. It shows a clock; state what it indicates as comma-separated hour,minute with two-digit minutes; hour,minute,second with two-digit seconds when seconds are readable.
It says 8,49
